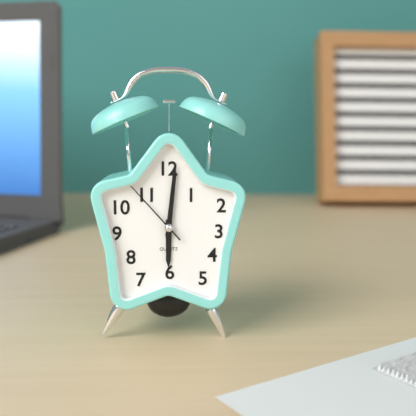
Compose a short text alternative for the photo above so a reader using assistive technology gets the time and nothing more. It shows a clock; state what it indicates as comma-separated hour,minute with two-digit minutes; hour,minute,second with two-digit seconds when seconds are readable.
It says 6,01,53
